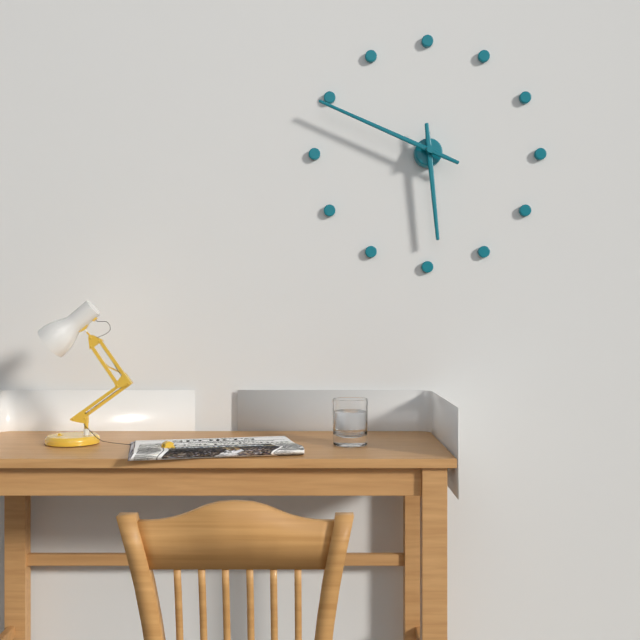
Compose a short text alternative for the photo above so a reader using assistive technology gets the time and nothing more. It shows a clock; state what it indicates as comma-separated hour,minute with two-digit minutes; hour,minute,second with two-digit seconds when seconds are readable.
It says 5,49
